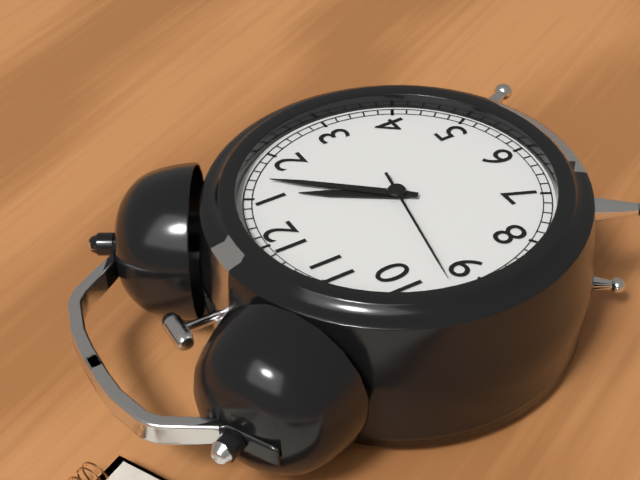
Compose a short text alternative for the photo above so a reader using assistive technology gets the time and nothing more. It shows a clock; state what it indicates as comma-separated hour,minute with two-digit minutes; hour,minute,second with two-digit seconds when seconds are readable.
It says 1,07,47
